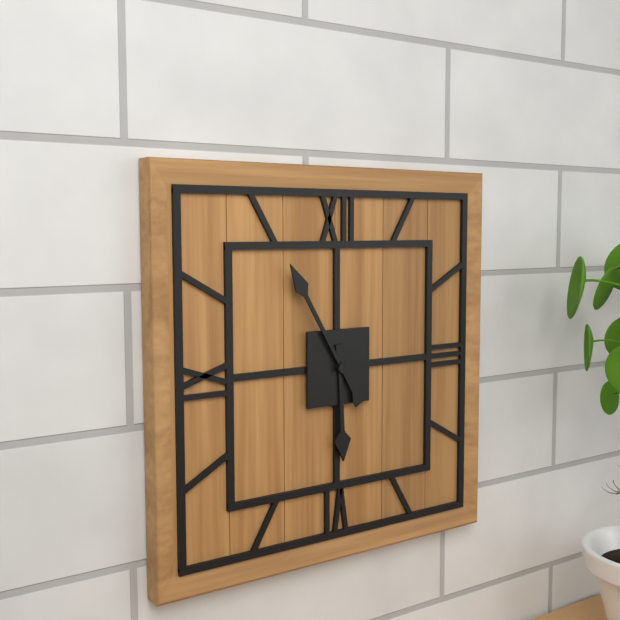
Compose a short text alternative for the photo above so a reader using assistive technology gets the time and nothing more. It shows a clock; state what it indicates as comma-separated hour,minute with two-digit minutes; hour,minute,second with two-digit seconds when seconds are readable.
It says 5,55
